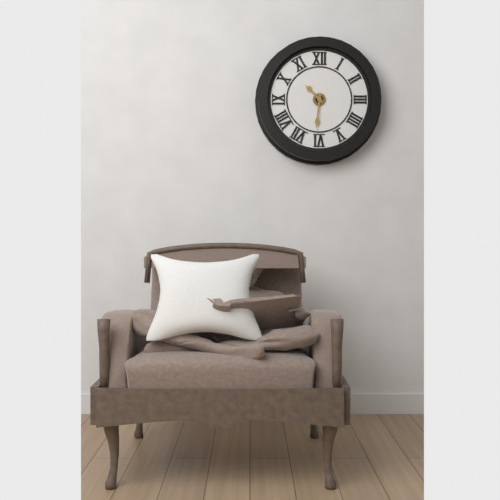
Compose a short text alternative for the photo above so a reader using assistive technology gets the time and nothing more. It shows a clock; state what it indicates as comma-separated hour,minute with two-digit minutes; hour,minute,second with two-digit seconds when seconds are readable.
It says 10,31
